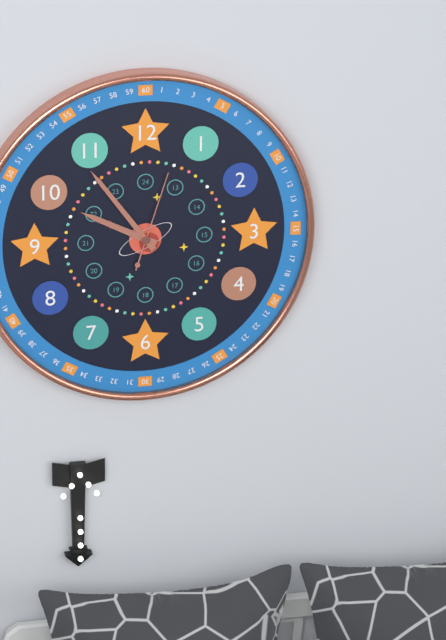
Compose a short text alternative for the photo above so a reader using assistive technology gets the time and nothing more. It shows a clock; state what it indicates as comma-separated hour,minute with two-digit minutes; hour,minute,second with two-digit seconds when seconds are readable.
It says 9,54,03
